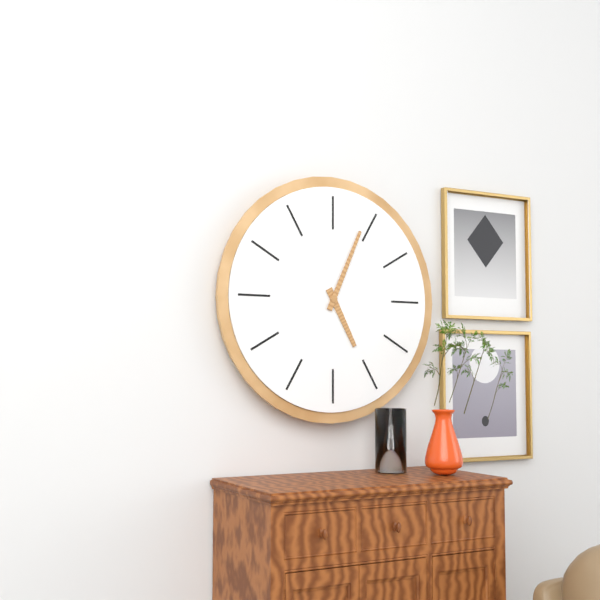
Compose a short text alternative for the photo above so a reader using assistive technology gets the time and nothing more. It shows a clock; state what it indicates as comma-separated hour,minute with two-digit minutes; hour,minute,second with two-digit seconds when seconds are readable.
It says 5,04
